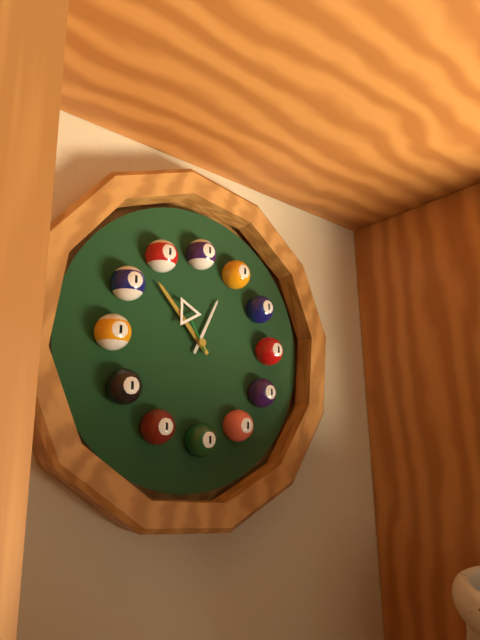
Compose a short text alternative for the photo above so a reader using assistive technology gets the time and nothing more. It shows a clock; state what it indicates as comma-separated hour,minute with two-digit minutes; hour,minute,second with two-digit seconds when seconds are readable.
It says 12,53,55
